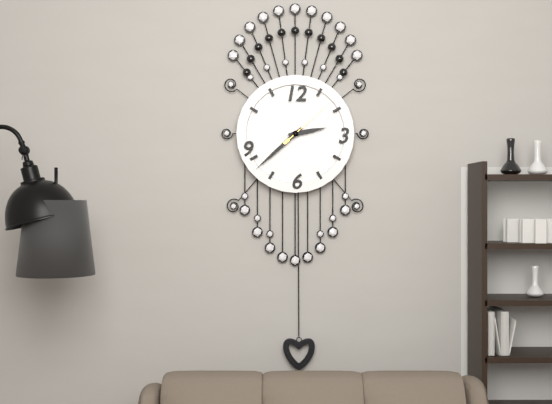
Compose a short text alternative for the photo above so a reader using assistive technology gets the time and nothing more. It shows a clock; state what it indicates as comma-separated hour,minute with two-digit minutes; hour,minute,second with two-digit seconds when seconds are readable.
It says 2,38,08
